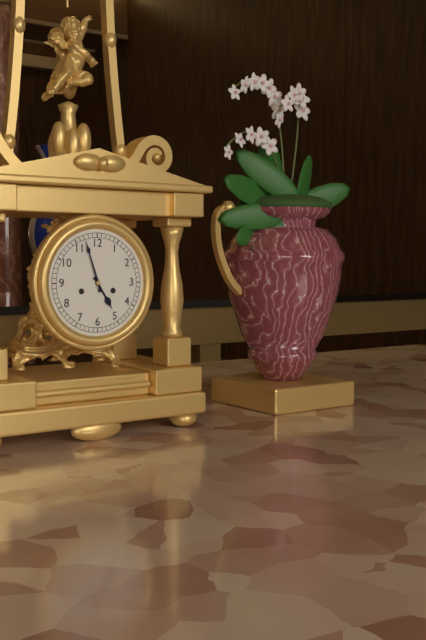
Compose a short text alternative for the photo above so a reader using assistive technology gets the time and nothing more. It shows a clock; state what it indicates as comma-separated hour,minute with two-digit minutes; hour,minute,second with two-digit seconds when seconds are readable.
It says 4,57
